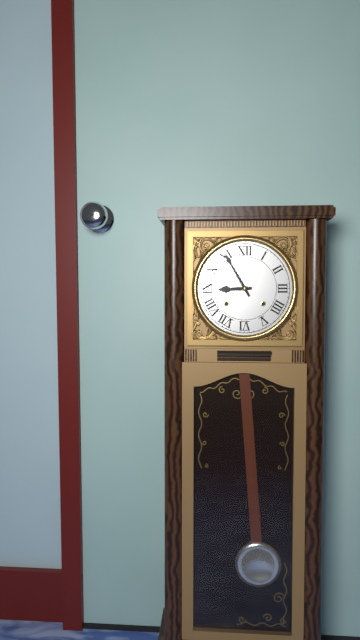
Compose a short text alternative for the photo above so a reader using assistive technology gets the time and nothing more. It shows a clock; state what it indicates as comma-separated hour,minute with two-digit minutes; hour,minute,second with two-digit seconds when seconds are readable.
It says 8,55
